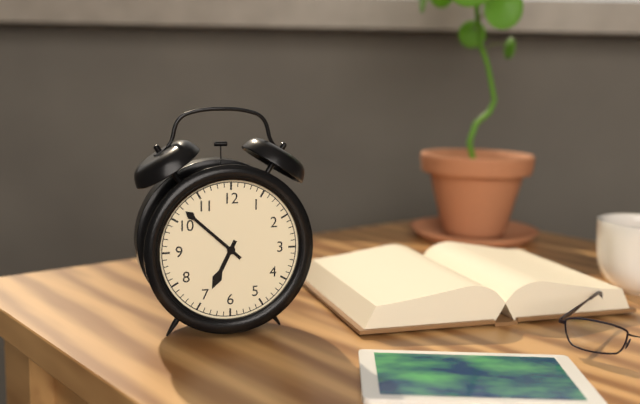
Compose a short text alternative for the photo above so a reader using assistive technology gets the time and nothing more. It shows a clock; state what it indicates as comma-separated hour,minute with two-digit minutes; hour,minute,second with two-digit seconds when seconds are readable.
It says 6,52
